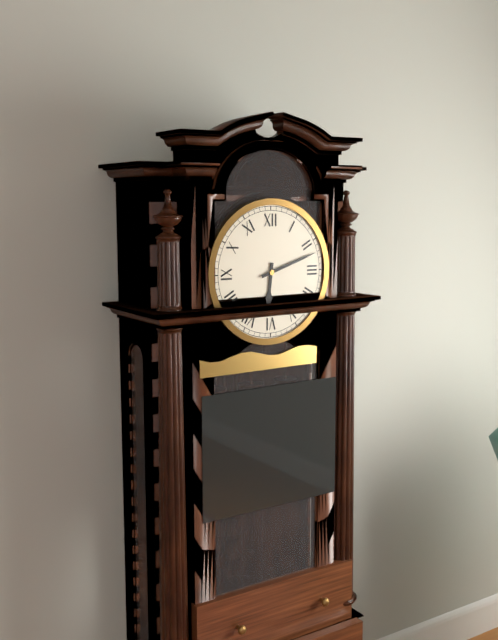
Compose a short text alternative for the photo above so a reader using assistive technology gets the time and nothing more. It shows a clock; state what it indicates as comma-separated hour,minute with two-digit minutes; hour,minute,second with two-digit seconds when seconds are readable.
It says 6,12
